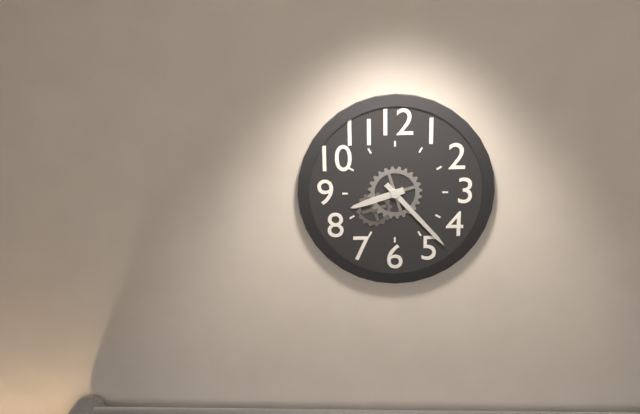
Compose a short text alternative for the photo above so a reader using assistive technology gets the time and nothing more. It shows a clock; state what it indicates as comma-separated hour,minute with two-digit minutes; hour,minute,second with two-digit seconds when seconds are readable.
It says 8,23
